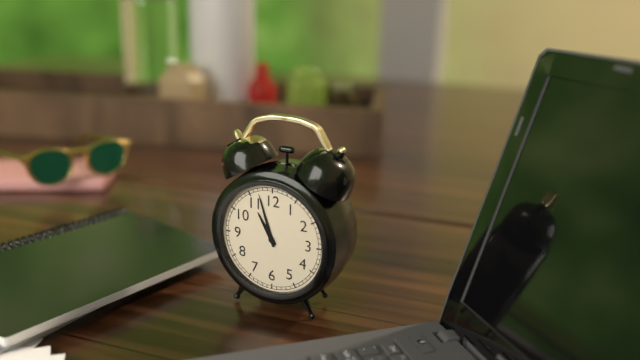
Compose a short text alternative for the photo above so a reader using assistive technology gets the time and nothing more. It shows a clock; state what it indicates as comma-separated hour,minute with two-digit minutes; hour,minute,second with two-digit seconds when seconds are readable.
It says 10,57
